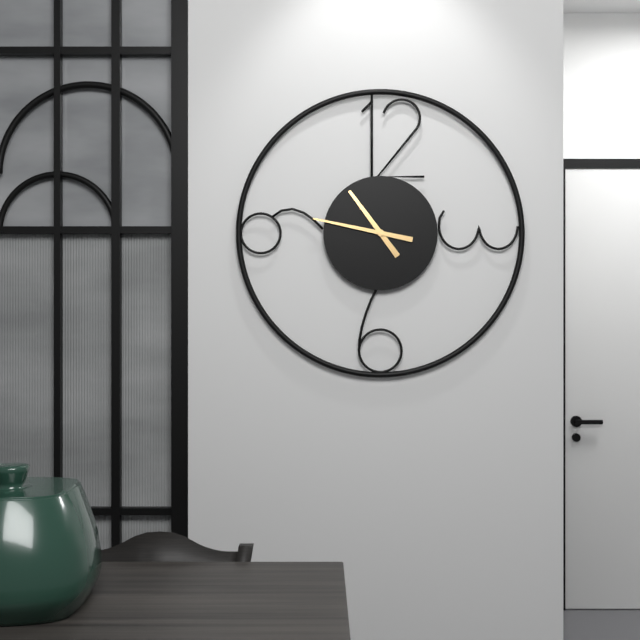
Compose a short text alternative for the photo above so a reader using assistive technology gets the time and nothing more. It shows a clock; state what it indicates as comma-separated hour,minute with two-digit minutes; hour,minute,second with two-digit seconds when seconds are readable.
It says 10,47
